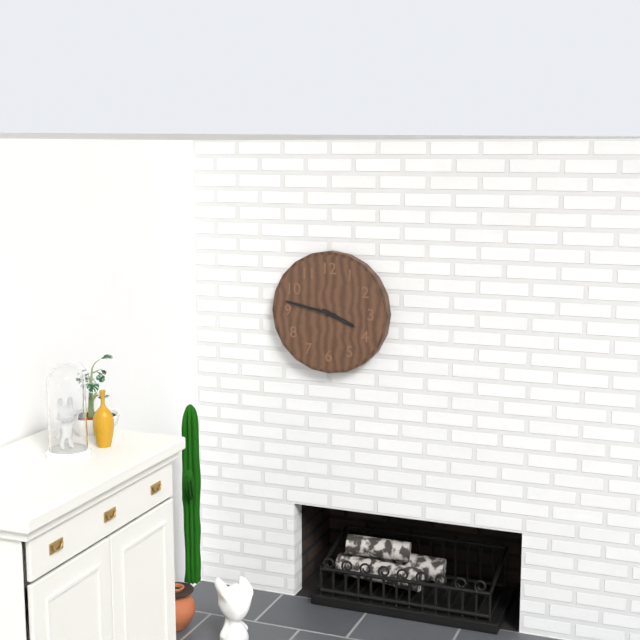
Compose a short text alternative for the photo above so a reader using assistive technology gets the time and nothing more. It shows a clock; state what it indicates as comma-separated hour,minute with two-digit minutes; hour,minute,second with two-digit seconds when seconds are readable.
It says 3,47
